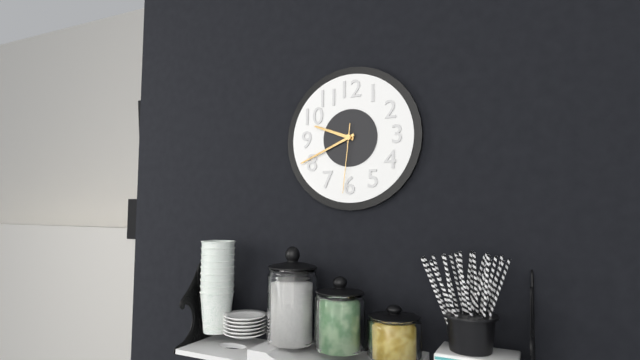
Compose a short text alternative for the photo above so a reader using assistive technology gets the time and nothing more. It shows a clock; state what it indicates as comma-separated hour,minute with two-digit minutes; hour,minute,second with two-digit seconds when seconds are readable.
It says 9,41,31
